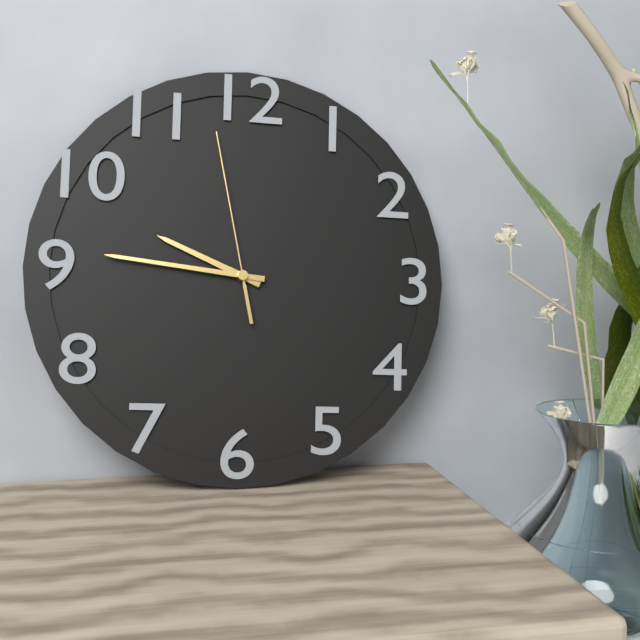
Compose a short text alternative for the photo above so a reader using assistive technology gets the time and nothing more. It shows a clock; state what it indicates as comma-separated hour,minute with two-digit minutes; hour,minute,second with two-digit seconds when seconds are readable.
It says 9,46,58
